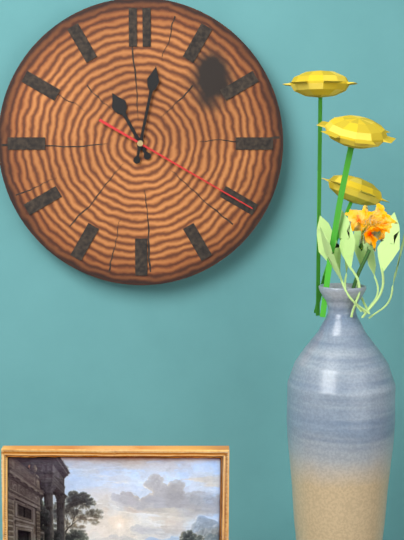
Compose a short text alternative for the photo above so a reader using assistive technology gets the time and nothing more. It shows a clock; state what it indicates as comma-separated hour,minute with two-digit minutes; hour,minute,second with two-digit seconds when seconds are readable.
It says 11,02,20
